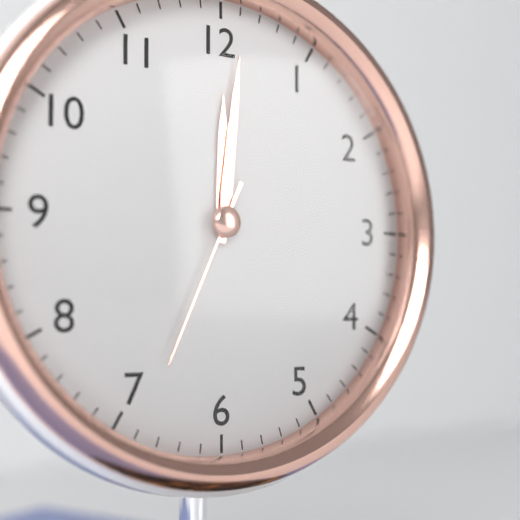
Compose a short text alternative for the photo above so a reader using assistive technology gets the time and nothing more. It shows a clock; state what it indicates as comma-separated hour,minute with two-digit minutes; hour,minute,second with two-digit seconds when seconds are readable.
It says 12,01,34
